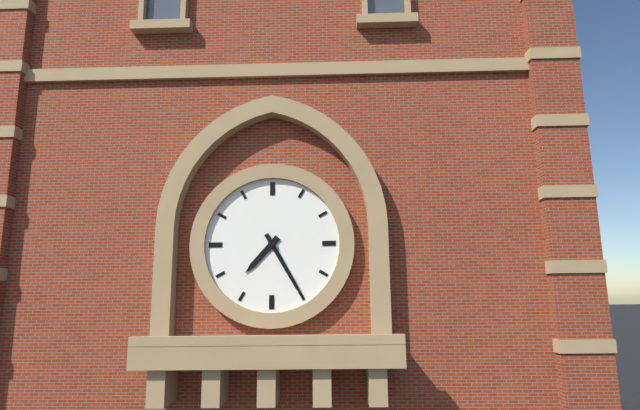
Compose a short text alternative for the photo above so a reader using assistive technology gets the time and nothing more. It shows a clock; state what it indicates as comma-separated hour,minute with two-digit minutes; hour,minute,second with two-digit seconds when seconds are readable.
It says 7,25
